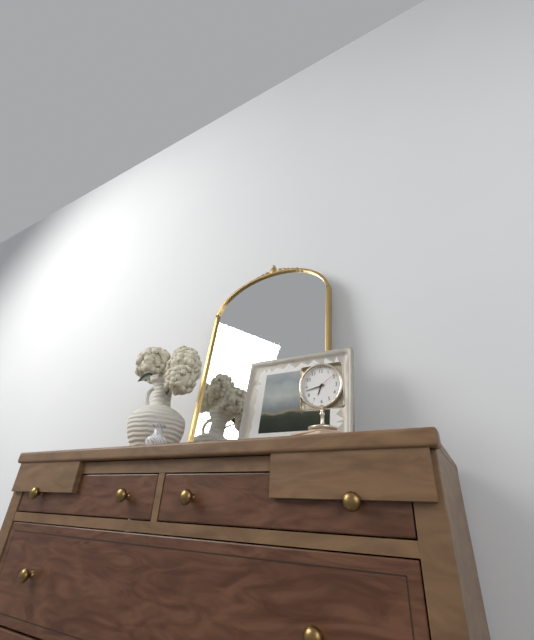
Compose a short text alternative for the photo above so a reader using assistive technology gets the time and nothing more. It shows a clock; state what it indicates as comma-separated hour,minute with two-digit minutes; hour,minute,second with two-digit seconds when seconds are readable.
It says 6,43
